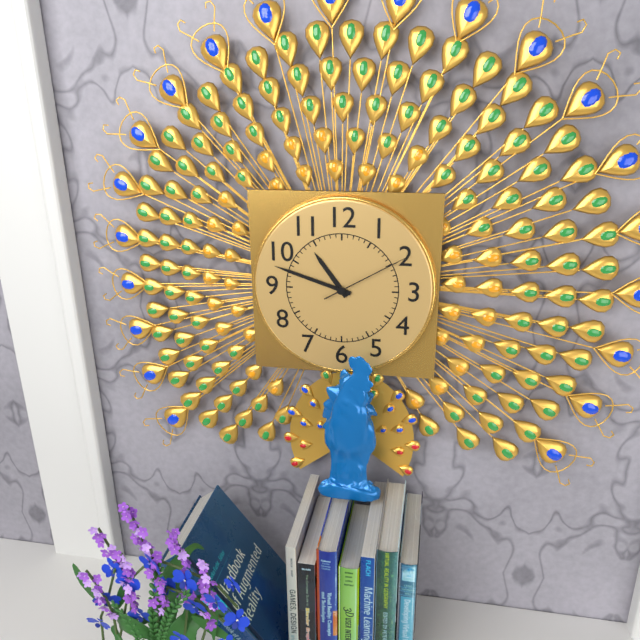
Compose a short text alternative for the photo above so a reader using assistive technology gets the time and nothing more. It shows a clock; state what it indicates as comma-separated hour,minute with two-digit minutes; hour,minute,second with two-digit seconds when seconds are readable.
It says 10,48,10
